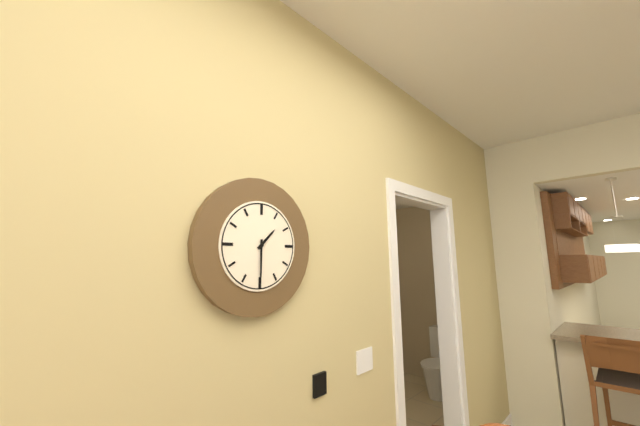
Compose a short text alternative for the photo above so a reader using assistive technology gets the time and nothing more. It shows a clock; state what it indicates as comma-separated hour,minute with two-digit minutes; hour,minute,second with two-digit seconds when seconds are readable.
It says 1,30
